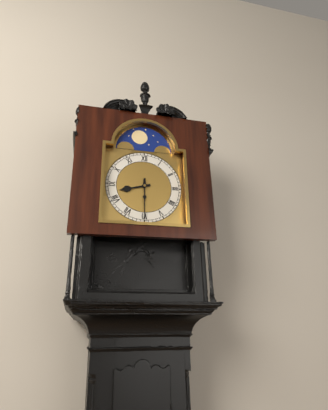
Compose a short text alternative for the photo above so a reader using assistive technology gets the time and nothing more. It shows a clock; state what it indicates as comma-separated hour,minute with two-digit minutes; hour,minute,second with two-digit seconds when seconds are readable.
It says 8,30
